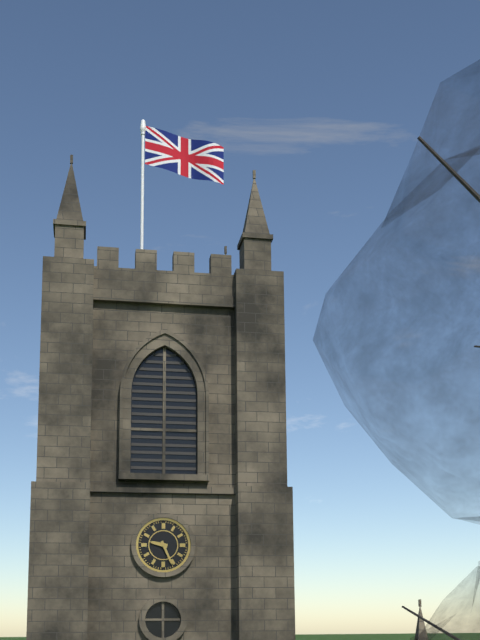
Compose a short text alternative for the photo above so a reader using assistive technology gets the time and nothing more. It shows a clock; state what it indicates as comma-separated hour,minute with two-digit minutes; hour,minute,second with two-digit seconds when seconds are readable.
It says 9,26
